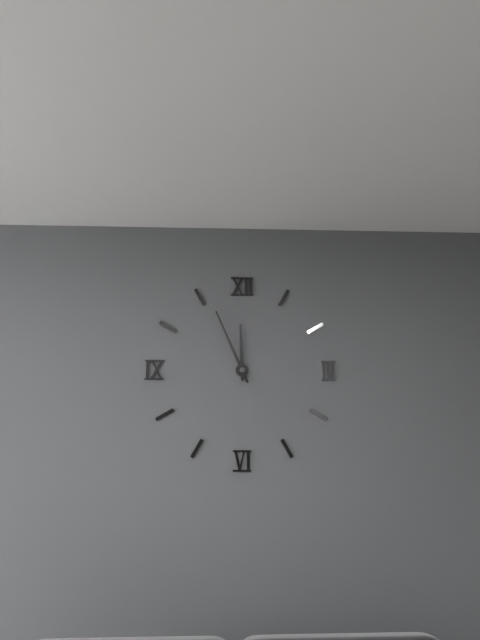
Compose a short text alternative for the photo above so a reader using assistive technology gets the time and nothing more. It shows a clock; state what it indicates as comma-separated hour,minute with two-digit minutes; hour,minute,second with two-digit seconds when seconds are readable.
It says 11,56
